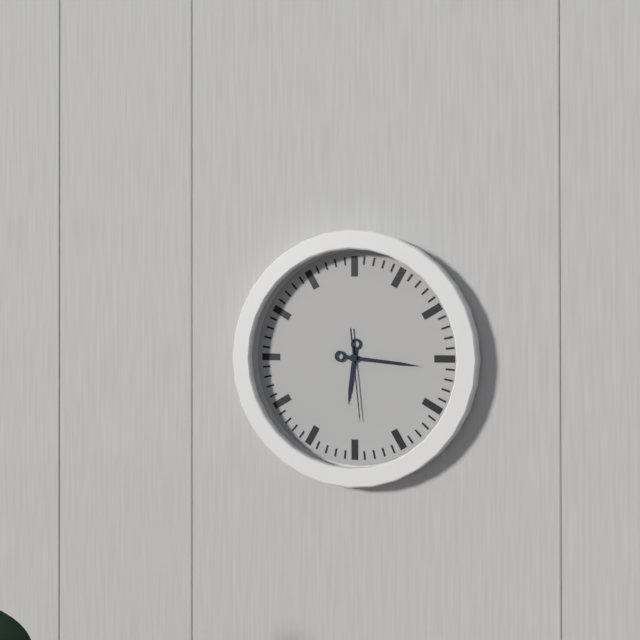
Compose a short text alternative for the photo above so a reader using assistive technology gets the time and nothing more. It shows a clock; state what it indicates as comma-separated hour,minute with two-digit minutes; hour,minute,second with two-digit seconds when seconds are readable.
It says 6,16,29
